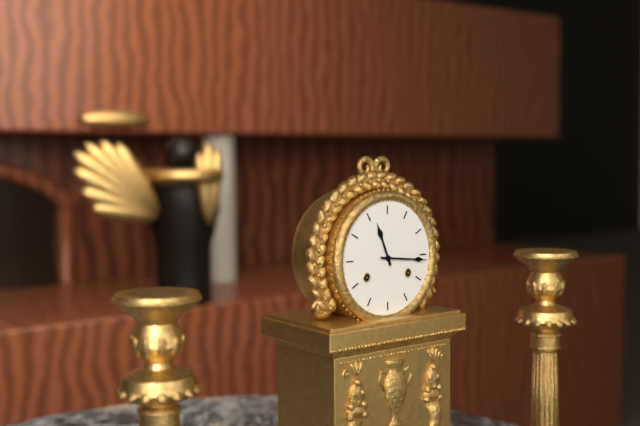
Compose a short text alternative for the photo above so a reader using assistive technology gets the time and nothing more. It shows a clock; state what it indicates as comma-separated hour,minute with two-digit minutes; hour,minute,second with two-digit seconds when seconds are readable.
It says 11,16
